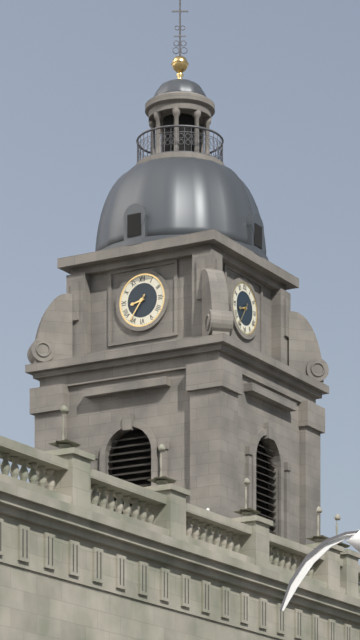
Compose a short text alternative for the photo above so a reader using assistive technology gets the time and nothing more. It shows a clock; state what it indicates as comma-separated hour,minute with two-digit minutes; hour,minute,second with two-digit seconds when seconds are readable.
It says 8,36
